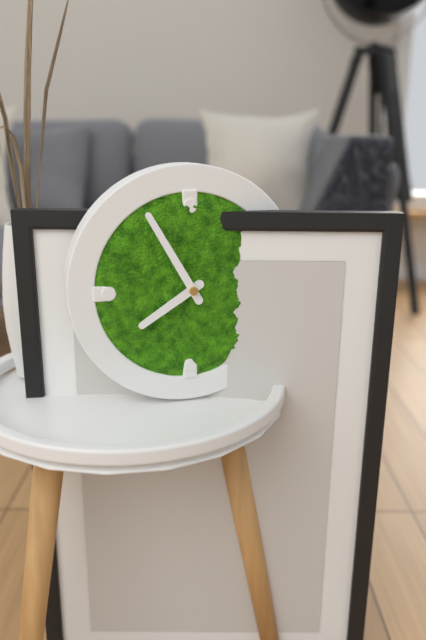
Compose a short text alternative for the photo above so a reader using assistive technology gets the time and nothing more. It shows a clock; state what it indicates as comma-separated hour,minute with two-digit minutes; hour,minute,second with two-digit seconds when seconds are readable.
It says 7,55
